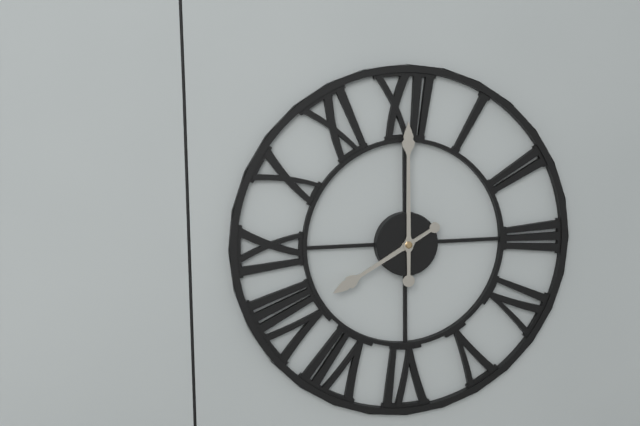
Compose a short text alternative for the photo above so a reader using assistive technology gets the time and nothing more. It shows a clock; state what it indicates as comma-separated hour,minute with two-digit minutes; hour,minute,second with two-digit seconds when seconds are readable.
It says 8,00
